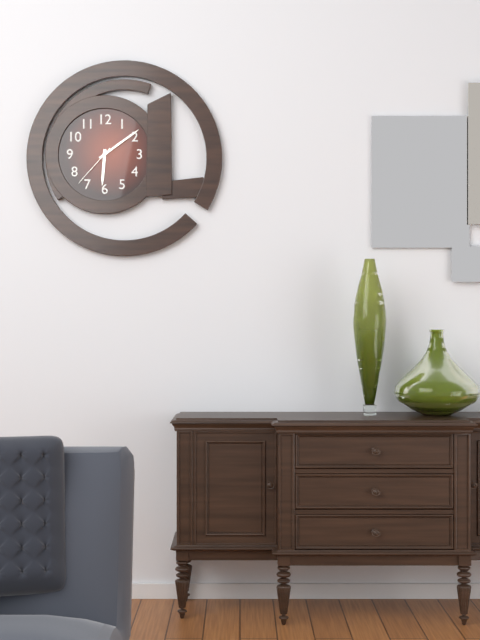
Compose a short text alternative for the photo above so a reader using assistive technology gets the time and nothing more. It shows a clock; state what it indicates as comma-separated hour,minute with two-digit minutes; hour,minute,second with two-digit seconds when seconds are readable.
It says 6,09
